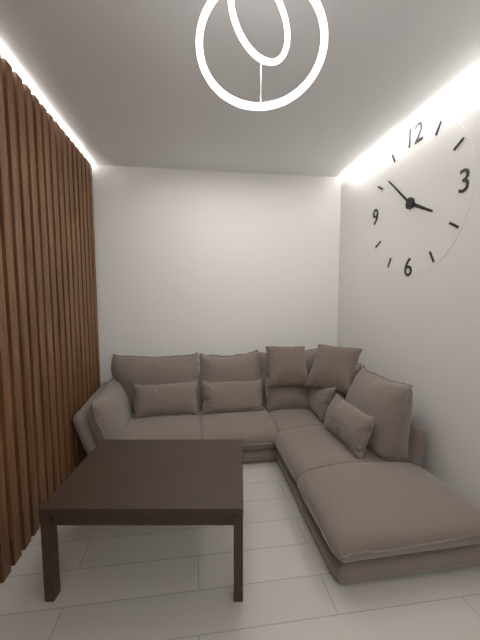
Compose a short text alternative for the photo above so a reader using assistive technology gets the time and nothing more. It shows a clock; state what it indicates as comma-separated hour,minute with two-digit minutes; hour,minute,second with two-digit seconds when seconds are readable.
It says 3,52
